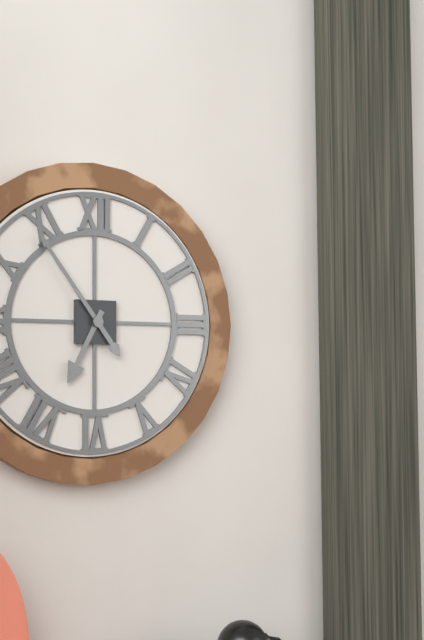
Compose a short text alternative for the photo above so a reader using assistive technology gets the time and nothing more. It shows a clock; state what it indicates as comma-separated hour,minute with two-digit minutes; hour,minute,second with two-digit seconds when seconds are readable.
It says 6,54
